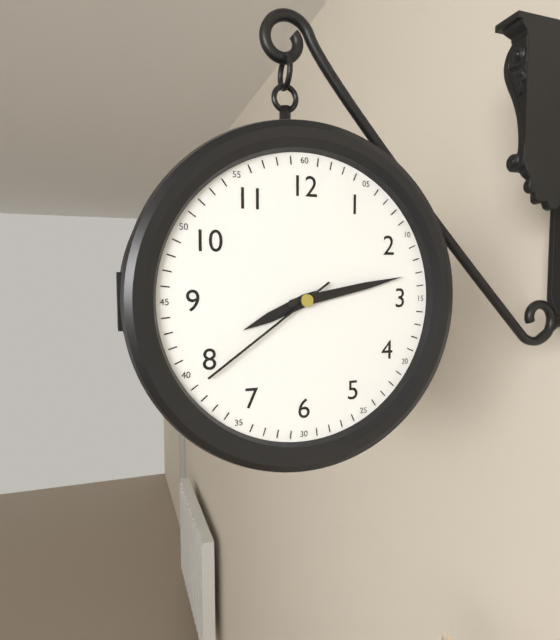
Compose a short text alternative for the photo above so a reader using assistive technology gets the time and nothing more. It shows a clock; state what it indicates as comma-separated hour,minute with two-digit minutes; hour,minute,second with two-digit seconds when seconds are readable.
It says 8,13,39
